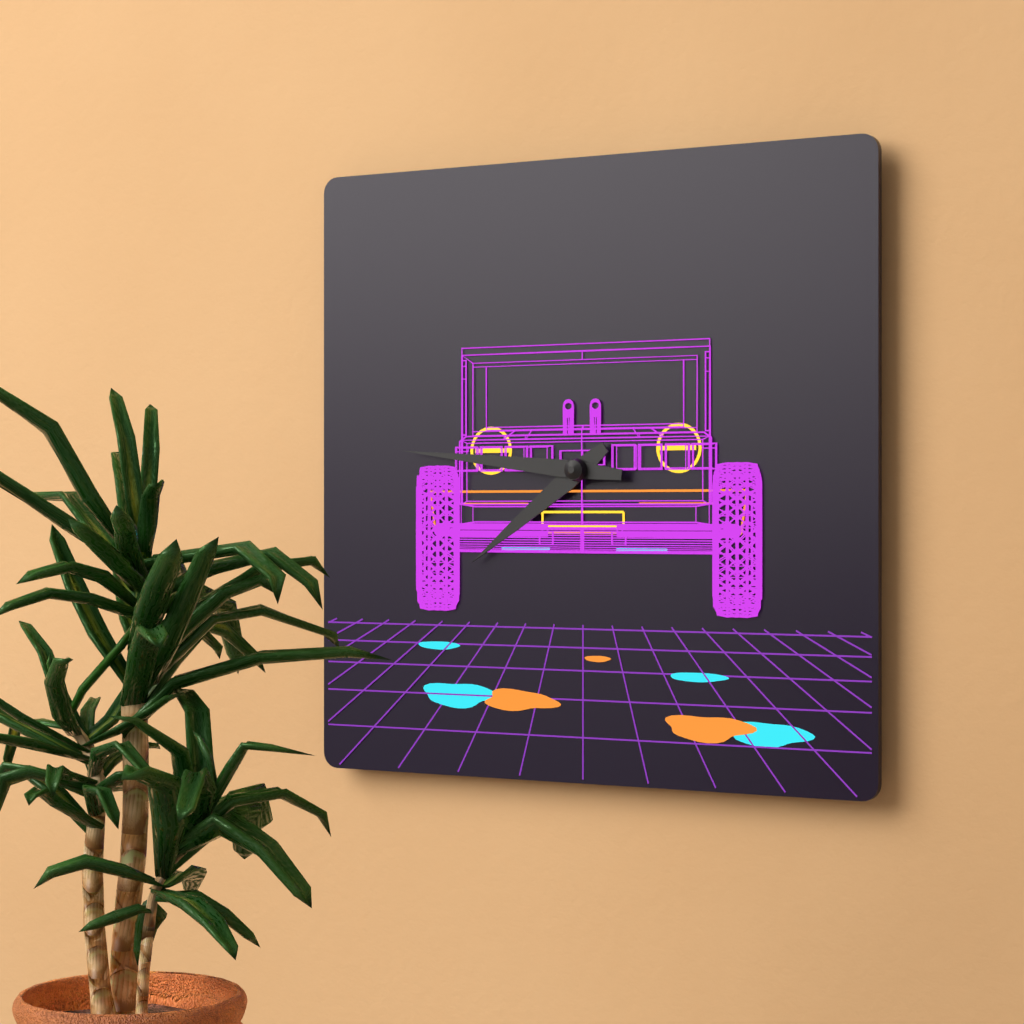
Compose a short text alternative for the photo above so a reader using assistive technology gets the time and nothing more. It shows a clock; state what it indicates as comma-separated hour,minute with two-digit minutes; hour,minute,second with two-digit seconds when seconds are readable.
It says 7,46
